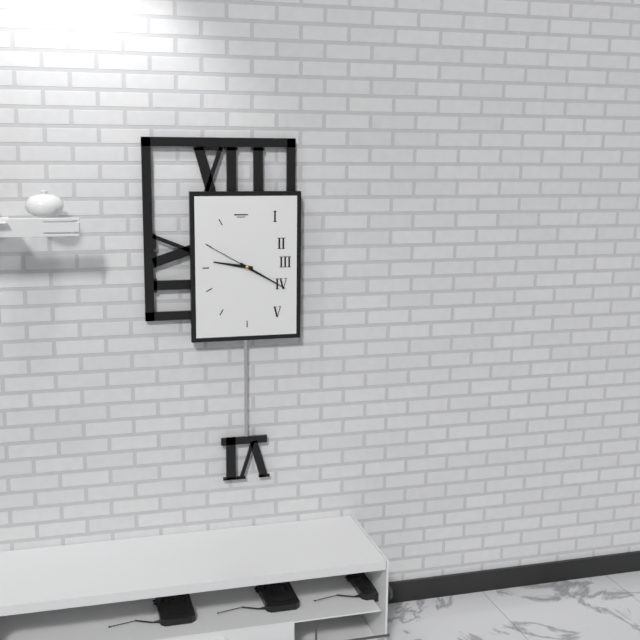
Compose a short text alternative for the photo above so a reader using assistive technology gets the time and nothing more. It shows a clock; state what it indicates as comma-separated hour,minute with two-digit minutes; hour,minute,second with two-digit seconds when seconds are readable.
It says 9,20,50
